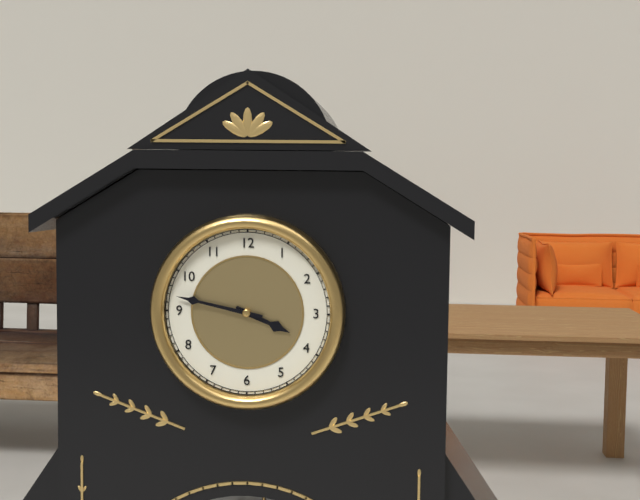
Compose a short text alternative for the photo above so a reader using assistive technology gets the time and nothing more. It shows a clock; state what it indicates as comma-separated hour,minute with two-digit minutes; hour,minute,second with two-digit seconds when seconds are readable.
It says 3,47
